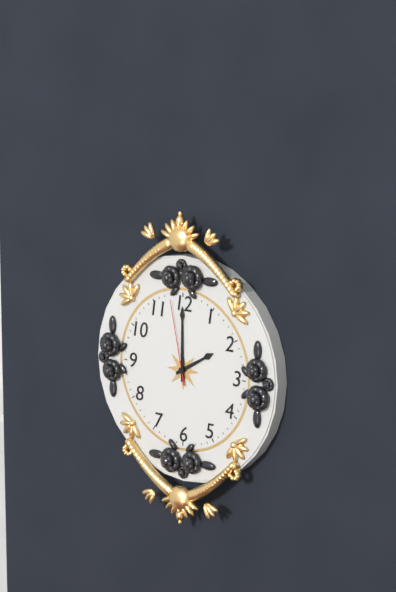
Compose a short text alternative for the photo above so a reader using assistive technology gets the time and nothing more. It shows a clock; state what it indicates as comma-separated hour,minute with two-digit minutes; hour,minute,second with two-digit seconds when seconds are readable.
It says 2,00,58
